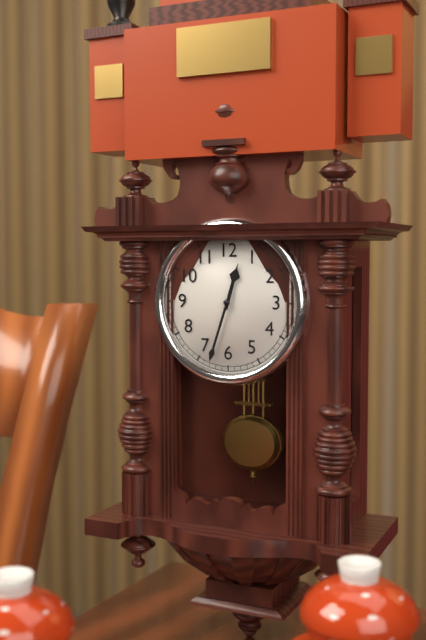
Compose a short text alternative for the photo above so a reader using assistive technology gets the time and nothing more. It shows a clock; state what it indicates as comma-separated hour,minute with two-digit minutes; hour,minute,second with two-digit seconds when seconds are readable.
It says 12,33
